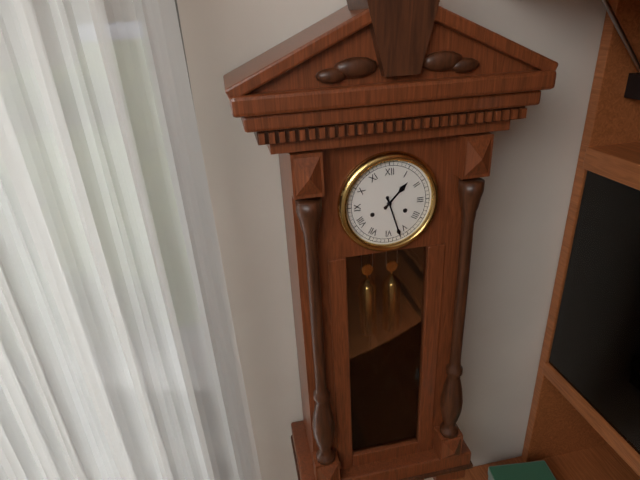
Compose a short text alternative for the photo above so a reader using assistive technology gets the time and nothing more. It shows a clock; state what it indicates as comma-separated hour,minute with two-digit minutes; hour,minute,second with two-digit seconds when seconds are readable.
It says 1,27
